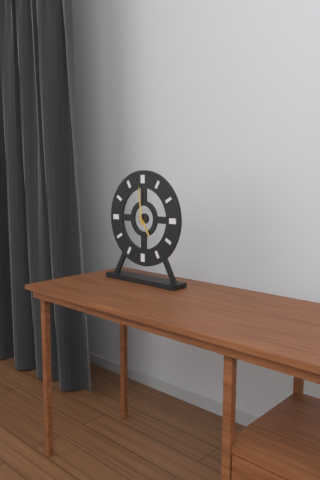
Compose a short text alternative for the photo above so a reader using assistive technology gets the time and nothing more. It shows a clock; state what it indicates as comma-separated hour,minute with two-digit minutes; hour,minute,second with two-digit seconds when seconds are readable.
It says 4,59
